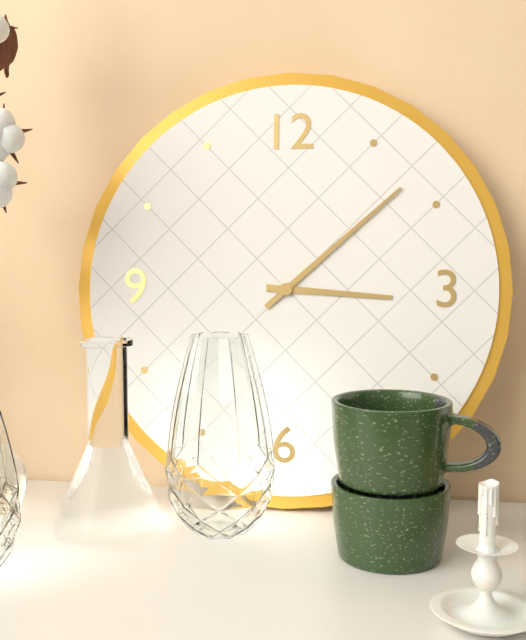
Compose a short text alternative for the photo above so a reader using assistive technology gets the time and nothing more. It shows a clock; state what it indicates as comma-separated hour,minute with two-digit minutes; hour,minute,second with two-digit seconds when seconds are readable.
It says 3,08
